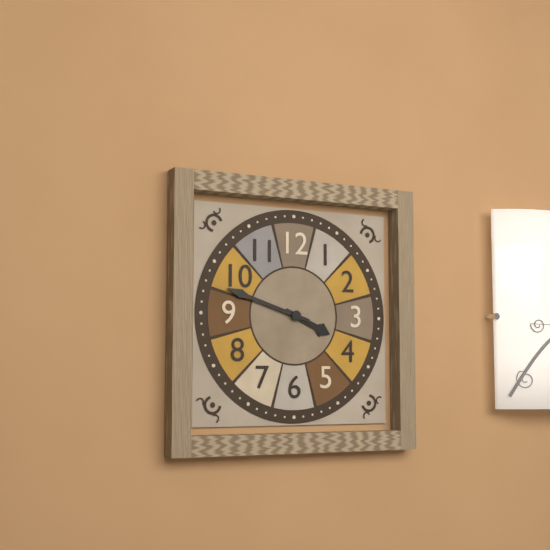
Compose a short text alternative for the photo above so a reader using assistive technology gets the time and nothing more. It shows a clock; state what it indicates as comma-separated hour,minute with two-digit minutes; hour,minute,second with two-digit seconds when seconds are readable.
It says 3,48
